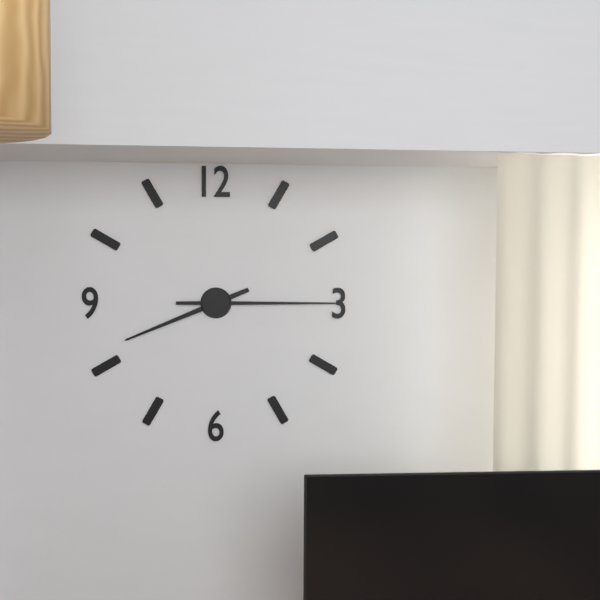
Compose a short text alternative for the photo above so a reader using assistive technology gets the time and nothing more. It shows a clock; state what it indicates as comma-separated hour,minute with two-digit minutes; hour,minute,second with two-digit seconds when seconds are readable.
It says 8,15
